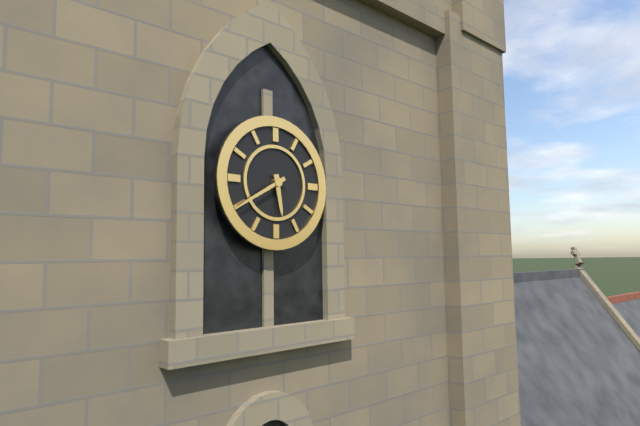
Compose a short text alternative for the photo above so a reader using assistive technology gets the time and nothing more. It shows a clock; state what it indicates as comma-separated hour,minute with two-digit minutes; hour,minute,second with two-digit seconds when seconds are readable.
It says 5,40
